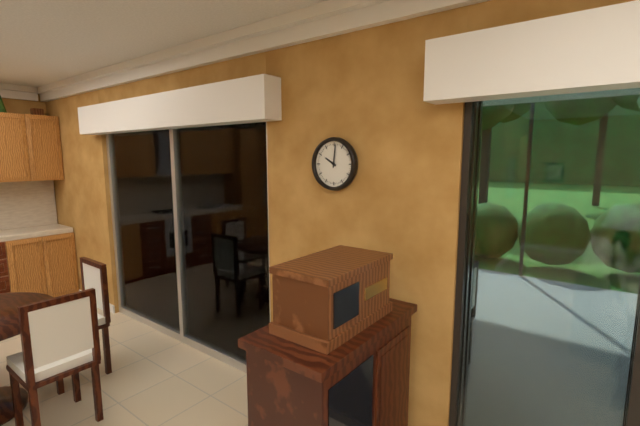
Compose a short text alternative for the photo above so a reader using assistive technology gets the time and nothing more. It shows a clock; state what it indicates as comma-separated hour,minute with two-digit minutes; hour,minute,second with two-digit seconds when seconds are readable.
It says 10,01
